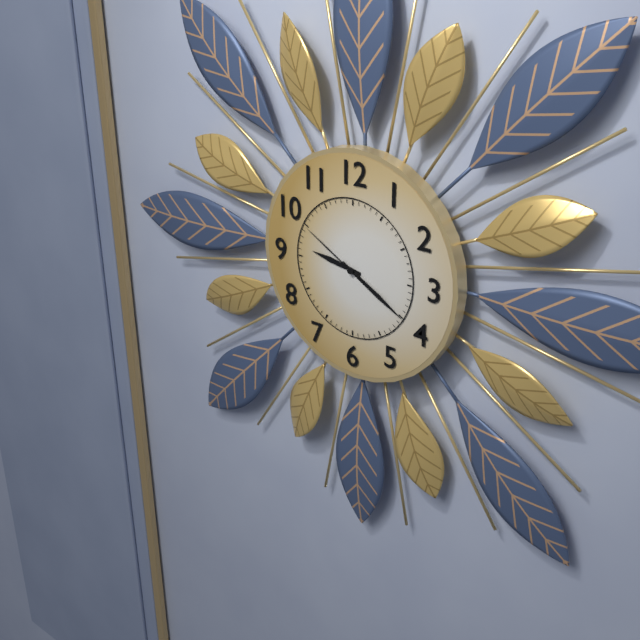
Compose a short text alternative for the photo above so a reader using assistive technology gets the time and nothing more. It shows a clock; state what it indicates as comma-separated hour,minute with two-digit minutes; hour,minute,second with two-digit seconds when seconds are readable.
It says 9,20,50
